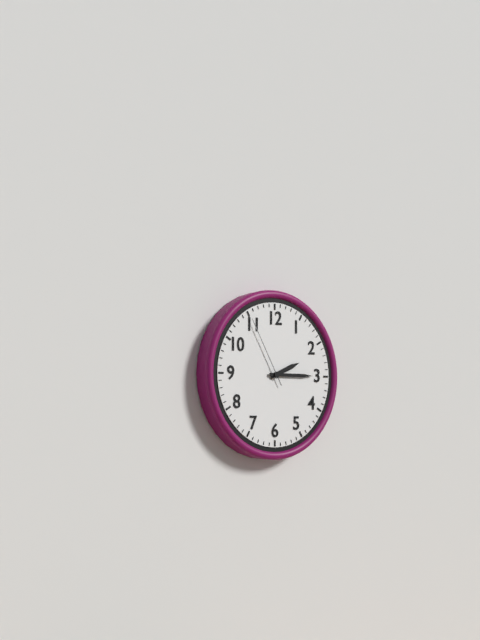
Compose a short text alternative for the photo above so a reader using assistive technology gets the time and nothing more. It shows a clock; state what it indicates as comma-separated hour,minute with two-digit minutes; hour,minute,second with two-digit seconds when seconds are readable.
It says 2,15,55
